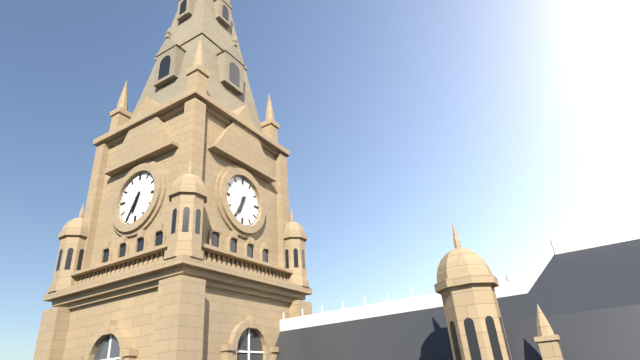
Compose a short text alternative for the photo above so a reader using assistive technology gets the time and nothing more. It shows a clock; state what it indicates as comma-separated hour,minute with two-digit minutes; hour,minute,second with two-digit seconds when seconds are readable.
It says 6,35
